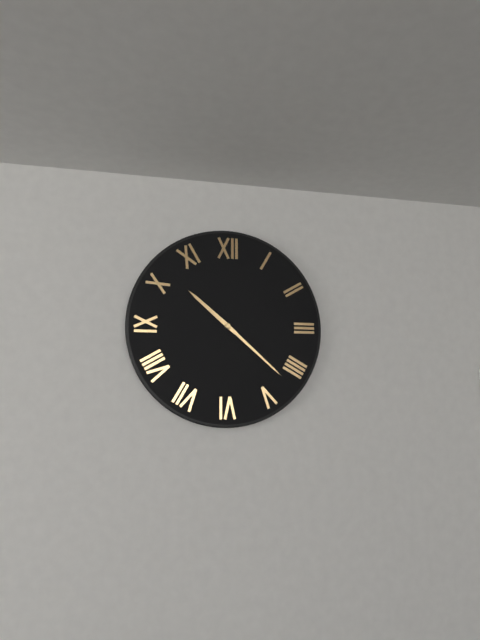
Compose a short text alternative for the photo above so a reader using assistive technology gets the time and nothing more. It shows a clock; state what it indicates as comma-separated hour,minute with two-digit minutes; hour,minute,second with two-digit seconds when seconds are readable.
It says 10,22
